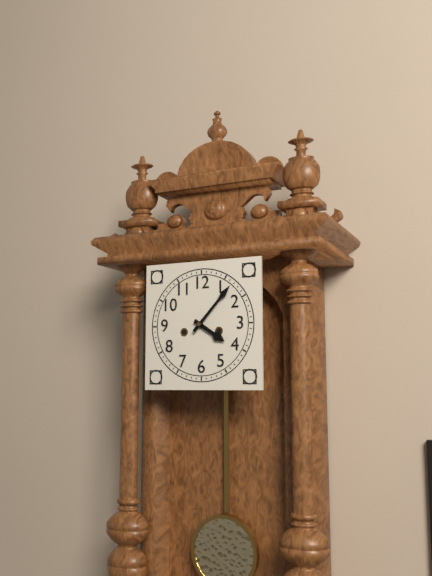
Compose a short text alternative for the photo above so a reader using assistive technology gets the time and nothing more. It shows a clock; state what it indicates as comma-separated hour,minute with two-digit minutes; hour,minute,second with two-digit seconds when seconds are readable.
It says 4,07
